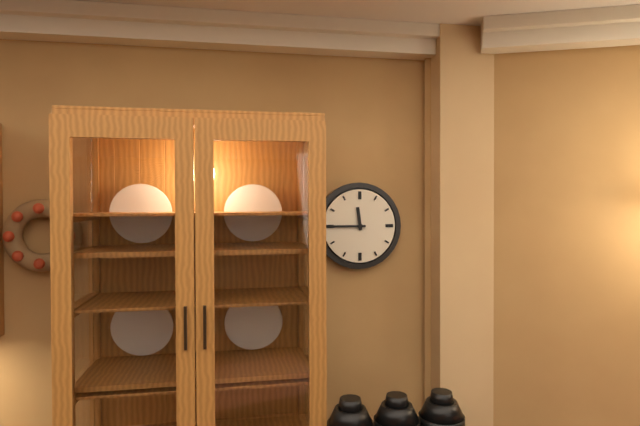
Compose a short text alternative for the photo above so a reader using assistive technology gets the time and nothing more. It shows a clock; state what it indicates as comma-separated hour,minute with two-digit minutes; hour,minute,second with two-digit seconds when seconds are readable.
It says 11,45
